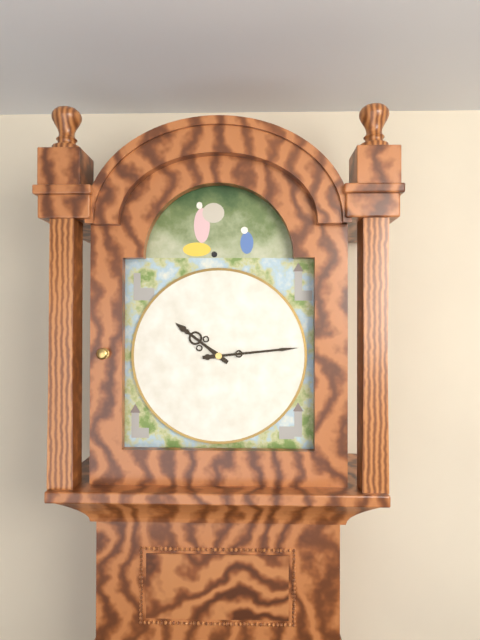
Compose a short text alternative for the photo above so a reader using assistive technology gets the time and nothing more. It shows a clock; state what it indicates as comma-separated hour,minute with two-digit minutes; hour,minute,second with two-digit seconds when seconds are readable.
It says 10,14
